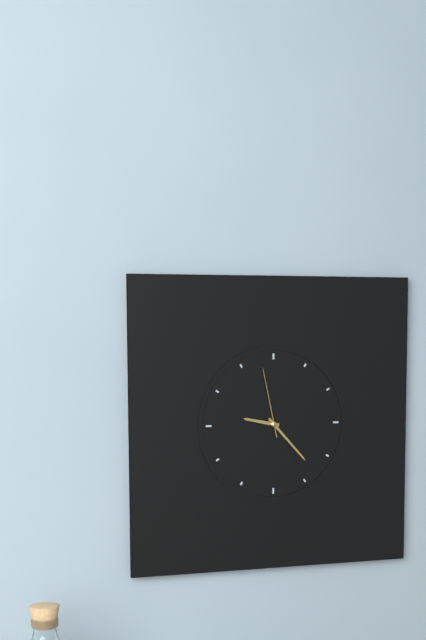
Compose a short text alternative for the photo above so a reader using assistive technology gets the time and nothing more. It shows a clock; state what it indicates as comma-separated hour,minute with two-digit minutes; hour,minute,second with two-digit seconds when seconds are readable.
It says 9,23,58
